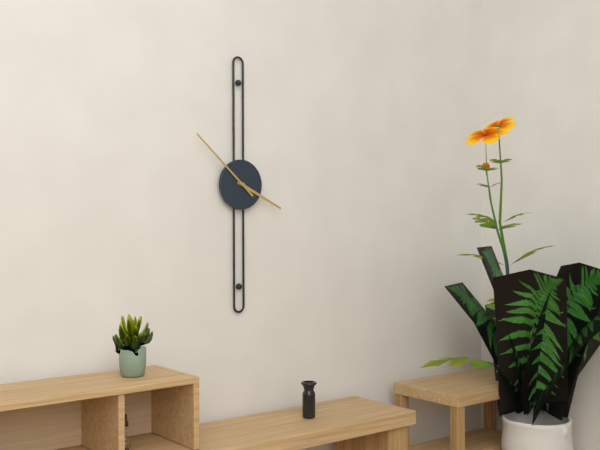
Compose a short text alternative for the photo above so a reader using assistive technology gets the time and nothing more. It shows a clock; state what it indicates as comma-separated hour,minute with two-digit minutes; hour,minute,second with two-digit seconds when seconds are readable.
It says 3,52
